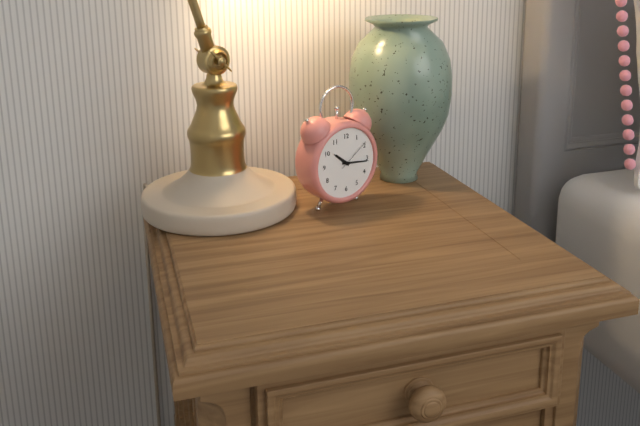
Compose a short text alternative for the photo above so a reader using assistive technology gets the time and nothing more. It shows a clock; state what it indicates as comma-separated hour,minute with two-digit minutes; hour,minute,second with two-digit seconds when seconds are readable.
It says 10,16
